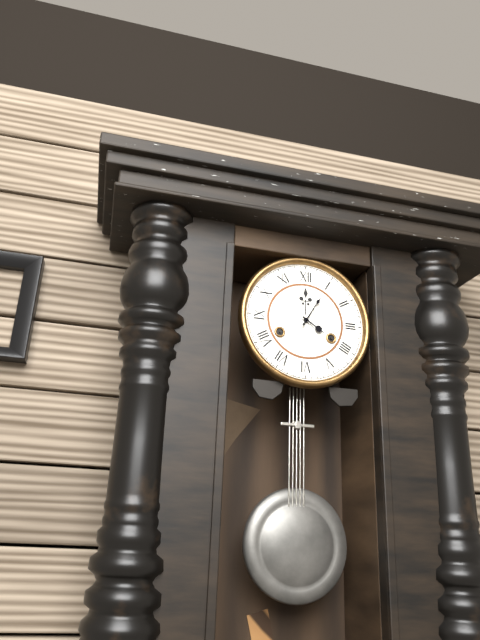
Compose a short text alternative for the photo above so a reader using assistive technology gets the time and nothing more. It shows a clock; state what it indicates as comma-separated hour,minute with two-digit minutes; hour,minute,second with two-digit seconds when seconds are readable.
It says 4,05
